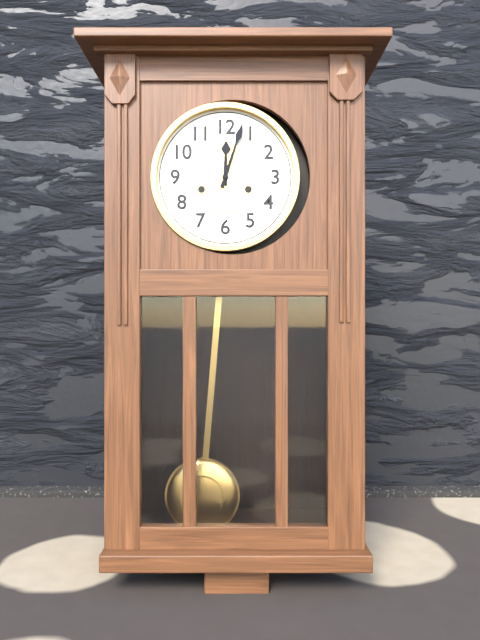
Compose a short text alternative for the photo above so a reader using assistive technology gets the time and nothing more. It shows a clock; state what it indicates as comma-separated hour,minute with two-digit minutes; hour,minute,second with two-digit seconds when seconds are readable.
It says 12,03
